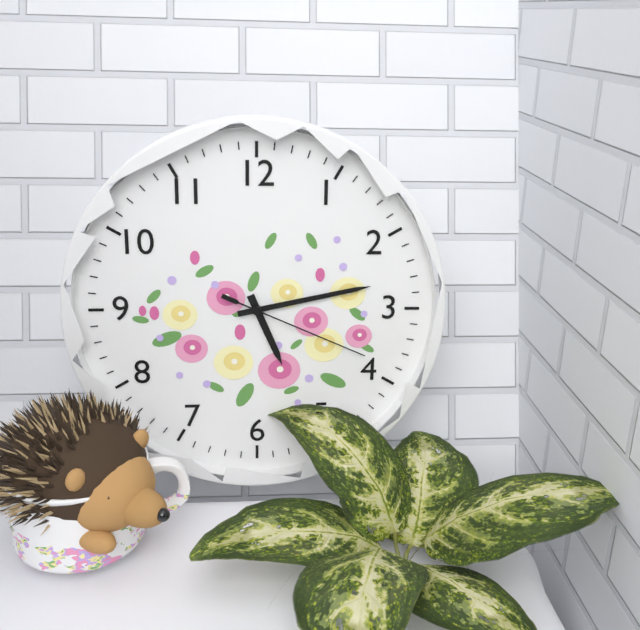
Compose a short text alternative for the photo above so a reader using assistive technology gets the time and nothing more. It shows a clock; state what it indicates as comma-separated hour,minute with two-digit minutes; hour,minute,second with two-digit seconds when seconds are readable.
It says 5,13,19
